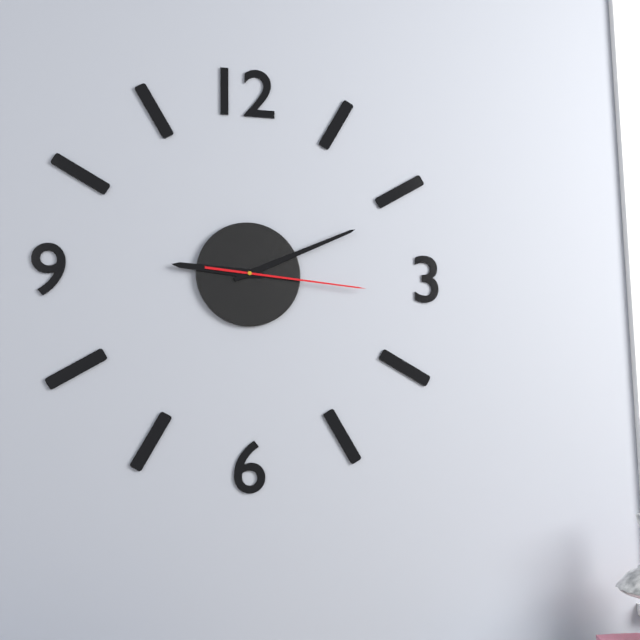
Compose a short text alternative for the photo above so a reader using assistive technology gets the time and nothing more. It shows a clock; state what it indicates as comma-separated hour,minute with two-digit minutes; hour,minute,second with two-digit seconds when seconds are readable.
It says 9,11,16
